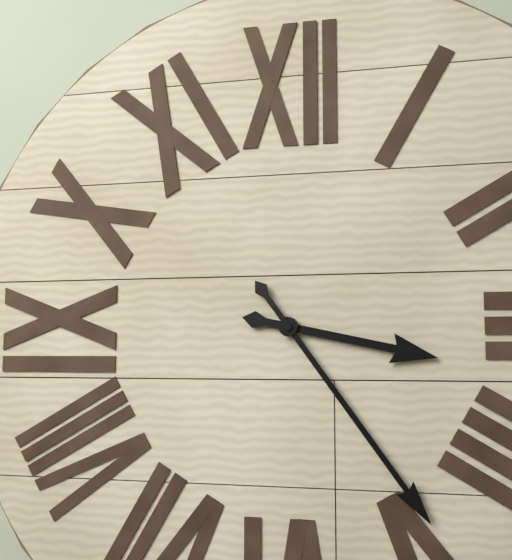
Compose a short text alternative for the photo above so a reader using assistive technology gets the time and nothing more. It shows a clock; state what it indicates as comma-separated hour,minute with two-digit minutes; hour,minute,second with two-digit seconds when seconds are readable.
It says 3,24
